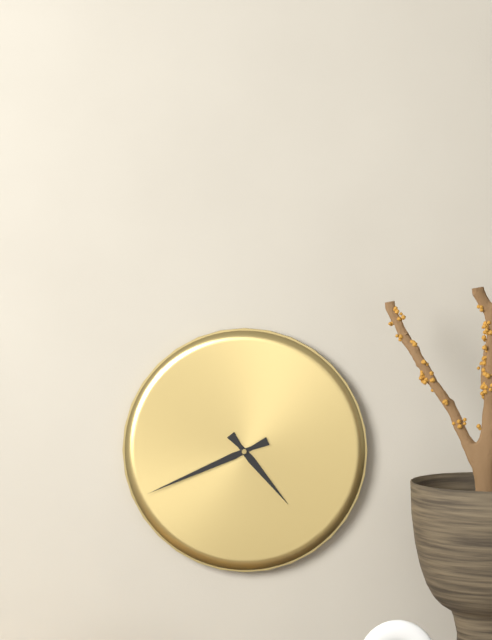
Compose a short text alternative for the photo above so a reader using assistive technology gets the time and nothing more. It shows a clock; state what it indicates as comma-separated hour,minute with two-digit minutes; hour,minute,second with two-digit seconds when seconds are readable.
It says 4,41
